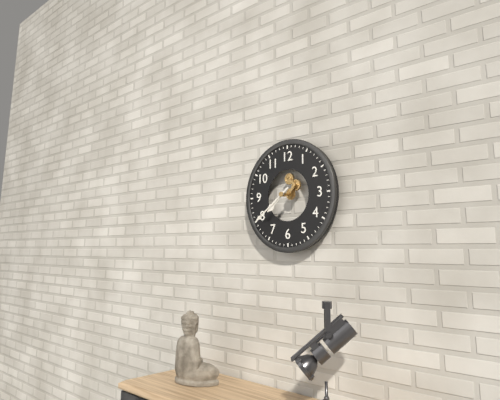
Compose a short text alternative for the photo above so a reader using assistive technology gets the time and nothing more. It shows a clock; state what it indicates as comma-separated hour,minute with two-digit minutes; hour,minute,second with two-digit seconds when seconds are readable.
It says 7,39
